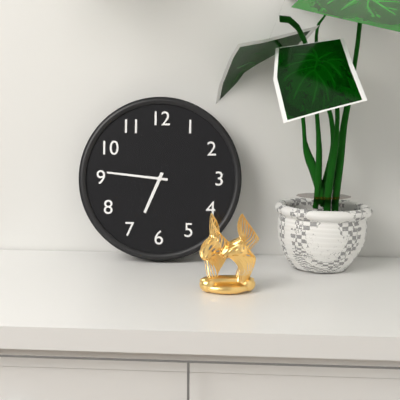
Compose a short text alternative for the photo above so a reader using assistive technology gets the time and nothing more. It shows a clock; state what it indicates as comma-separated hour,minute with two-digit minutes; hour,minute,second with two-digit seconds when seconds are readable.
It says 6,46
